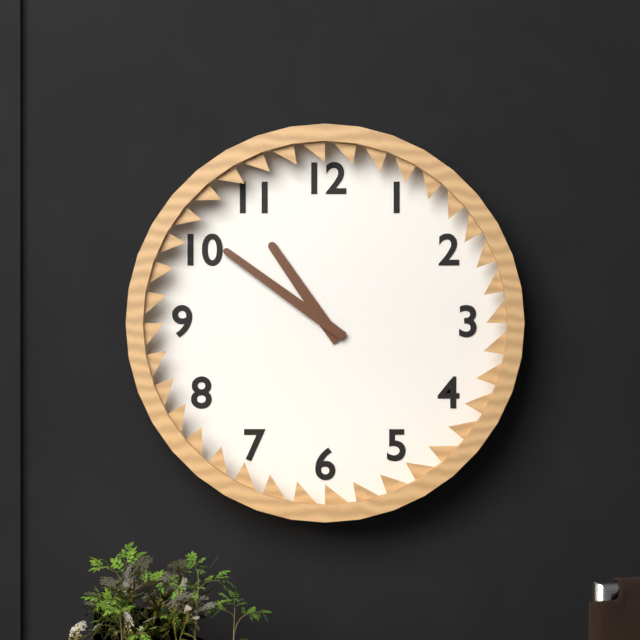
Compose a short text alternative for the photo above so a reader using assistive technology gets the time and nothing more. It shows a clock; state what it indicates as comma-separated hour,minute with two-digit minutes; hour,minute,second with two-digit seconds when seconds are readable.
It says 10,51
